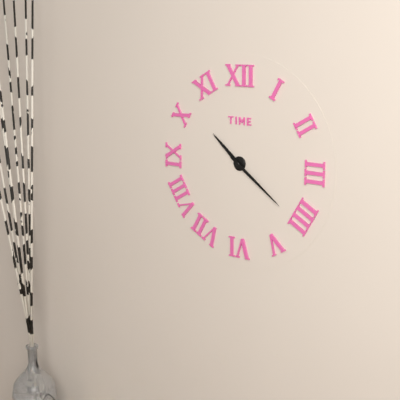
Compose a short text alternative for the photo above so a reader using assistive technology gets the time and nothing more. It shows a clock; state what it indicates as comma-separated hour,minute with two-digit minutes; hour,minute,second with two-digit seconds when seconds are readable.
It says 10,21
